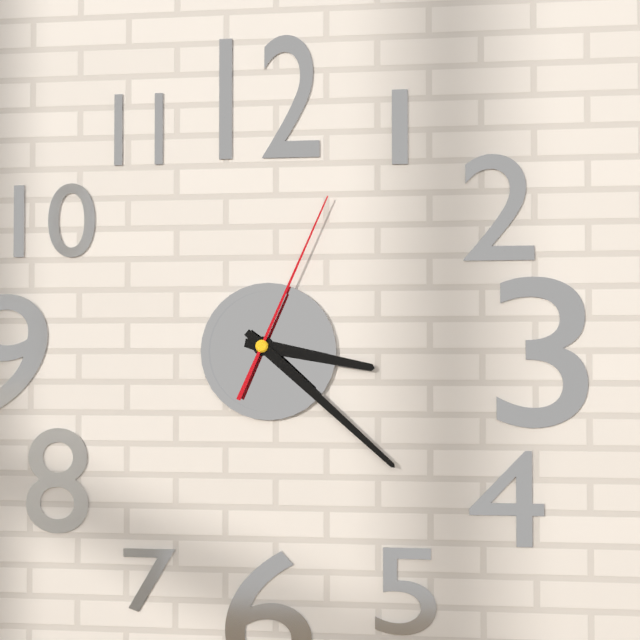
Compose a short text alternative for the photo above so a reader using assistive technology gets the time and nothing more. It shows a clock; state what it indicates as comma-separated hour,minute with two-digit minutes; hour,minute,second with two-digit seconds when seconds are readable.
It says 3,22,04
